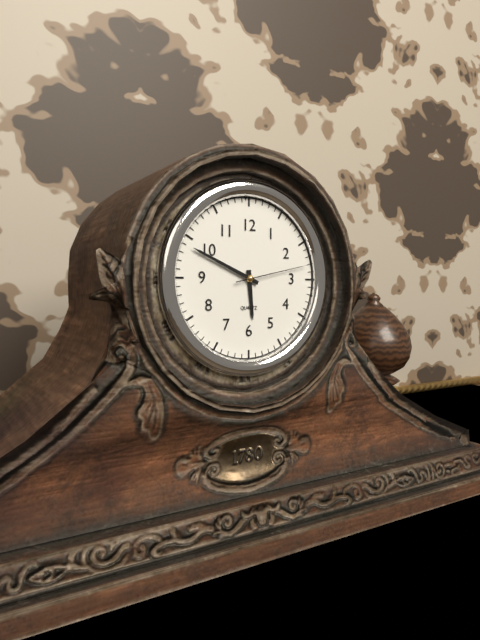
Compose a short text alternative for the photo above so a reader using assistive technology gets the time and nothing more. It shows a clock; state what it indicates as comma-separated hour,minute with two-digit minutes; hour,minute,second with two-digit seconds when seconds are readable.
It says 5,49,13
